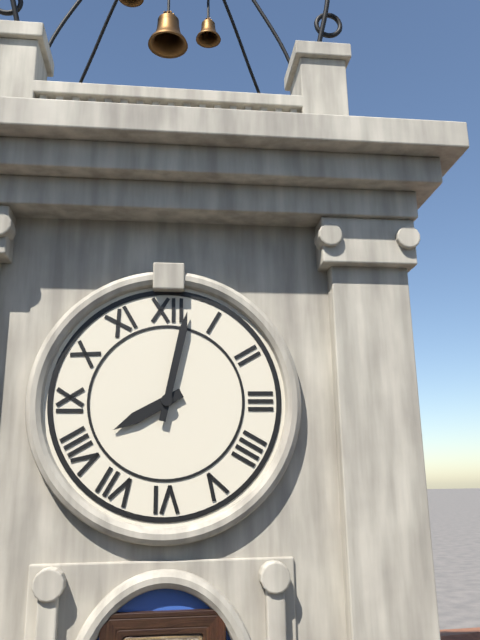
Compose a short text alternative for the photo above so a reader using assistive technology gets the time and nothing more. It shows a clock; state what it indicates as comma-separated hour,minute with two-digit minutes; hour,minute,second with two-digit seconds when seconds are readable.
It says 8,02
